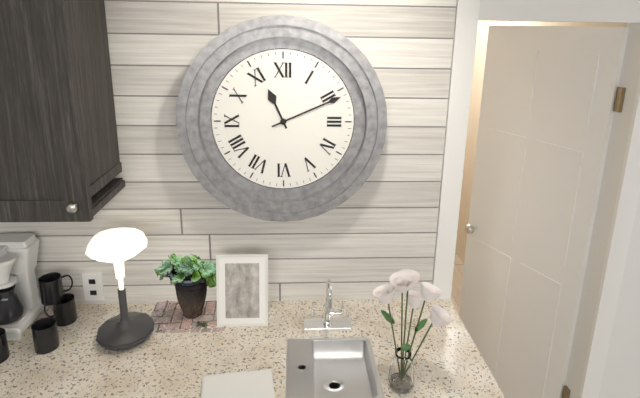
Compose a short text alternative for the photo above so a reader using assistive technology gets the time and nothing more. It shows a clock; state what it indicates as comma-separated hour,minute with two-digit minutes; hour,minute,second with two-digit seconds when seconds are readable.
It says 11,11
